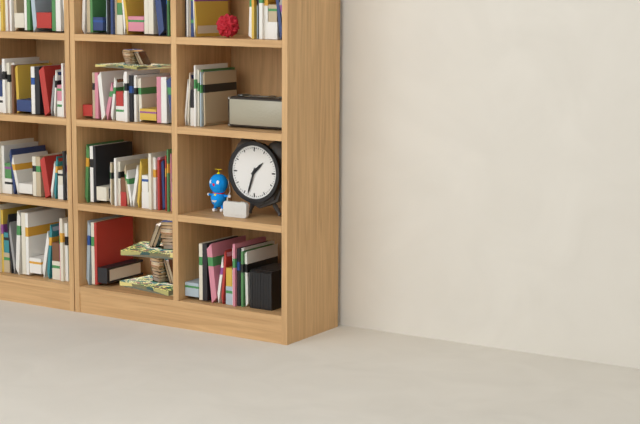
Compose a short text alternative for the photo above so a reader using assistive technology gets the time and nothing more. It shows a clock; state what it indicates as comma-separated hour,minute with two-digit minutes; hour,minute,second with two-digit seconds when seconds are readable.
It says 1,33
